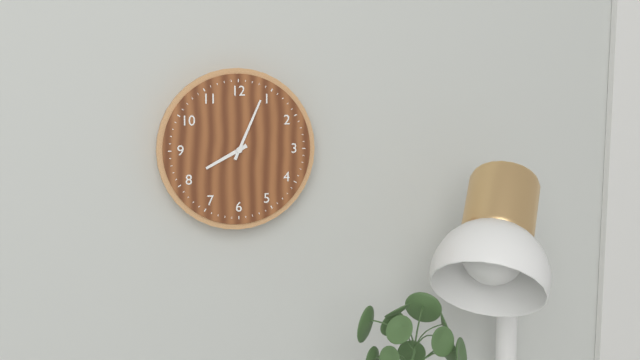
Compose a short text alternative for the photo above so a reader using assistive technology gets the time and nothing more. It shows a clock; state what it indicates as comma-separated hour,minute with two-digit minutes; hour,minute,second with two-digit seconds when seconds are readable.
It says 8,04
